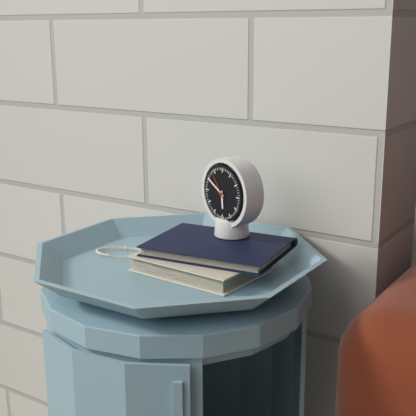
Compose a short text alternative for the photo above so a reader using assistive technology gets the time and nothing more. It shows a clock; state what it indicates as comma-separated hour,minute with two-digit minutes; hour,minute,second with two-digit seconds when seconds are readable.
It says 5,50
